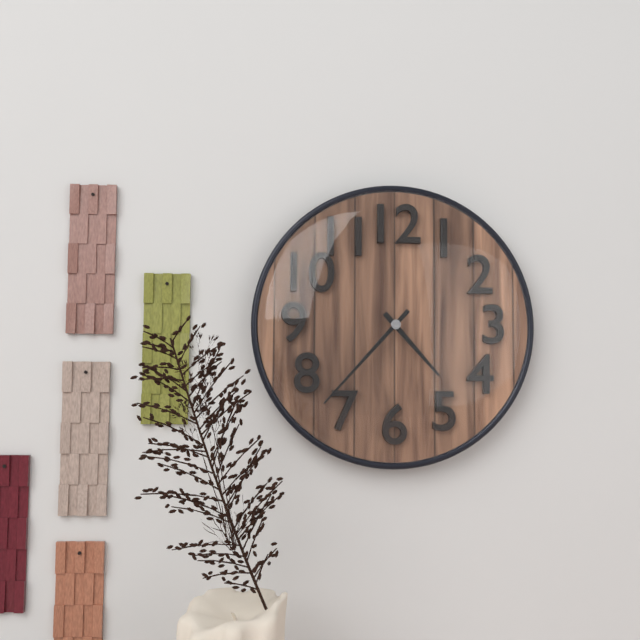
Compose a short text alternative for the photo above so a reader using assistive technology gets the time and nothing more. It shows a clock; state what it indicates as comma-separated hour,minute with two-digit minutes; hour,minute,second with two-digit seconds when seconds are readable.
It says 4,37
